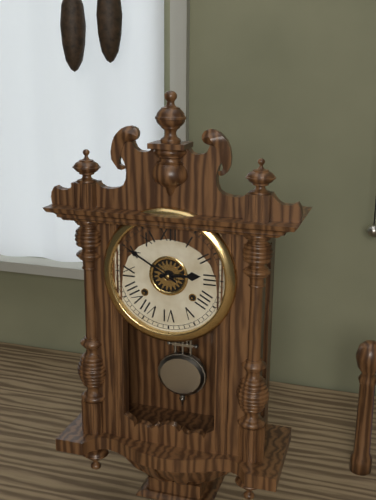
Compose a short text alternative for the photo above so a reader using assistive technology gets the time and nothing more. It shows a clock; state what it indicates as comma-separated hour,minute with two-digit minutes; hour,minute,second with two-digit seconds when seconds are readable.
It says 2,50
